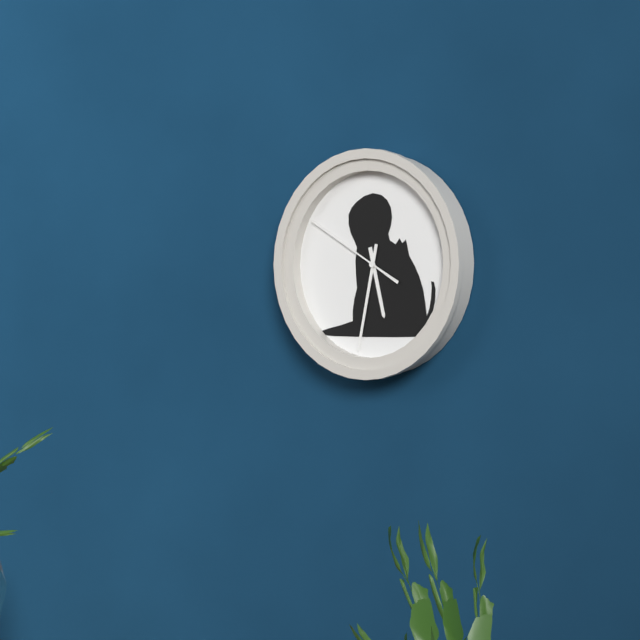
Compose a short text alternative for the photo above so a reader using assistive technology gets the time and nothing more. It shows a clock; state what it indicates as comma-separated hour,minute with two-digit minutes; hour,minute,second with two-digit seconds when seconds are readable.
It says 5,32,50
